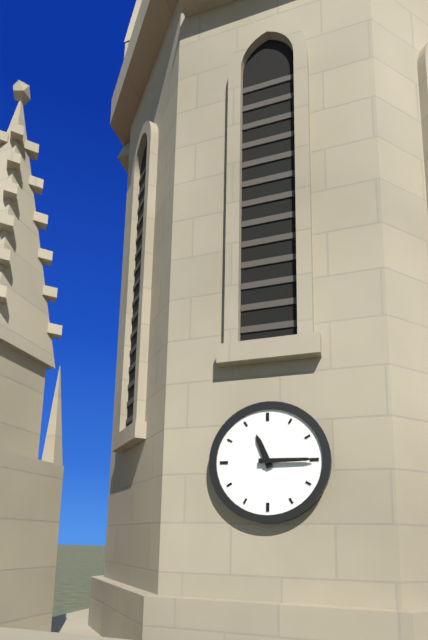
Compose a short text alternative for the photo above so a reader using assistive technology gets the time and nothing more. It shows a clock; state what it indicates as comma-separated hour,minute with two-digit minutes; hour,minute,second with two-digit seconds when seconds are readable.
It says 11,15
